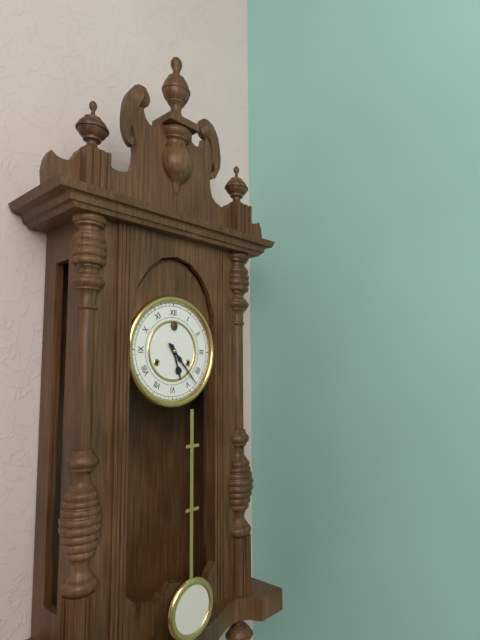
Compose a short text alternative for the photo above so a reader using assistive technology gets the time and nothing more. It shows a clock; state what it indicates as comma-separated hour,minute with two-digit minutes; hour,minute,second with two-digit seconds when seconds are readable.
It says 5,23
